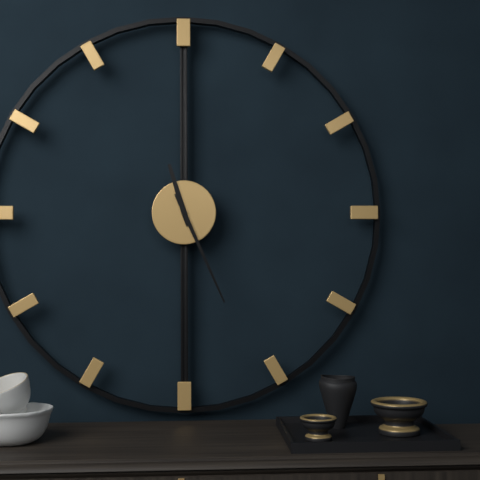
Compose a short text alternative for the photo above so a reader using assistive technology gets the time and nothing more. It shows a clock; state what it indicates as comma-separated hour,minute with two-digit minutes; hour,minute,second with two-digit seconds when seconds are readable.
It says 11,26
